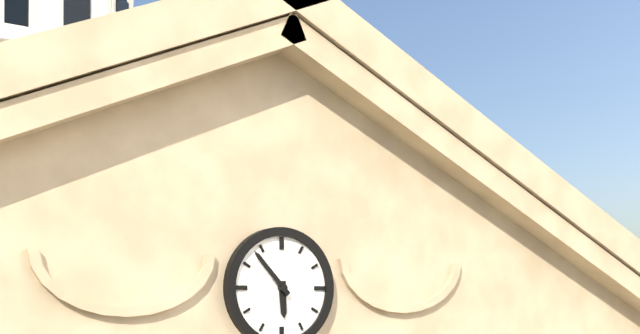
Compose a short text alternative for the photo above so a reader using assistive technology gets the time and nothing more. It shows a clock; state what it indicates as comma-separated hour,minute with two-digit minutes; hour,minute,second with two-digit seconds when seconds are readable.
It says 5,53
